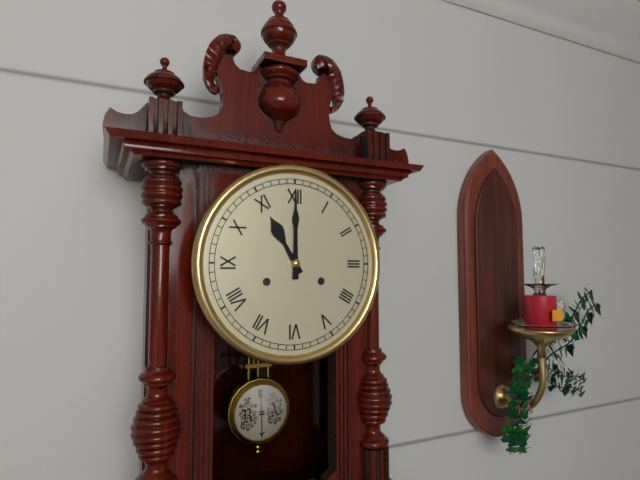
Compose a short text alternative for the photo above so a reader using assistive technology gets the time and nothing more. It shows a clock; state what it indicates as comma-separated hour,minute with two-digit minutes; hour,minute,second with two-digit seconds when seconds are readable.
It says 11,00
